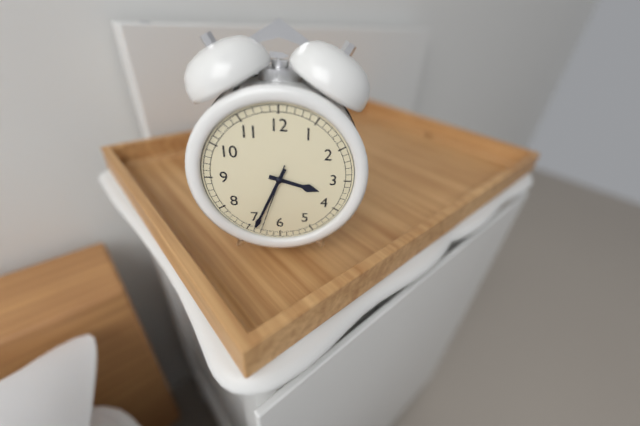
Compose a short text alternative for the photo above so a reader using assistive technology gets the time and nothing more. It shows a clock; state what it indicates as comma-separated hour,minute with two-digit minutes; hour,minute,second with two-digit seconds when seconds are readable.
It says 3,34,33
